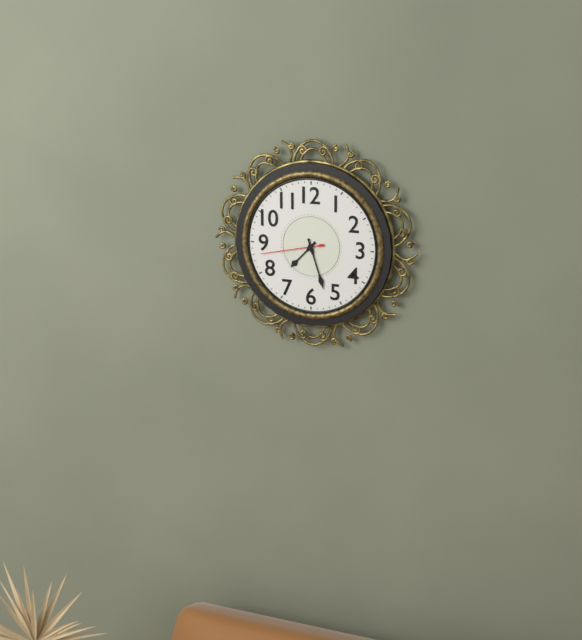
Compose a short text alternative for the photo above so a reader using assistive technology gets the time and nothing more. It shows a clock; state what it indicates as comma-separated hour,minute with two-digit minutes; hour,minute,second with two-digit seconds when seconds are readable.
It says 7,27,43
